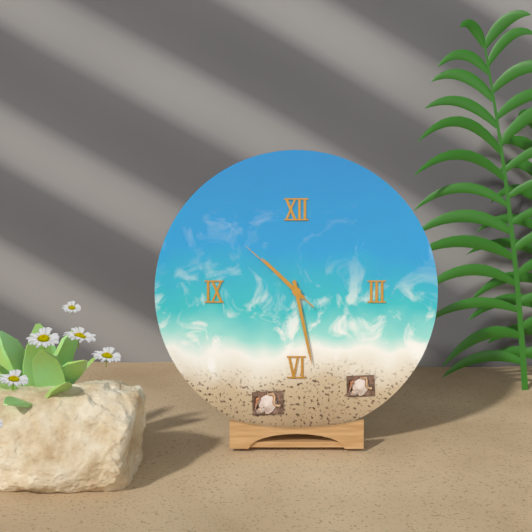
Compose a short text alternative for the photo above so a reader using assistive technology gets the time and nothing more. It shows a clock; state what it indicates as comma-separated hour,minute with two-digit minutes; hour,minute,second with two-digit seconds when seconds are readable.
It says 10,28,52
